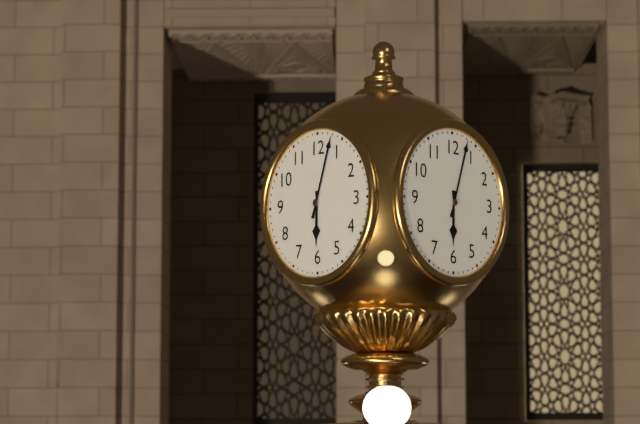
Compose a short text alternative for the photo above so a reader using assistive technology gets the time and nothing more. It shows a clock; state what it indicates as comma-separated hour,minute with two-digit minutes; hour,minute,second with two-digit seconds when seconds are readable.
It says 6,03
